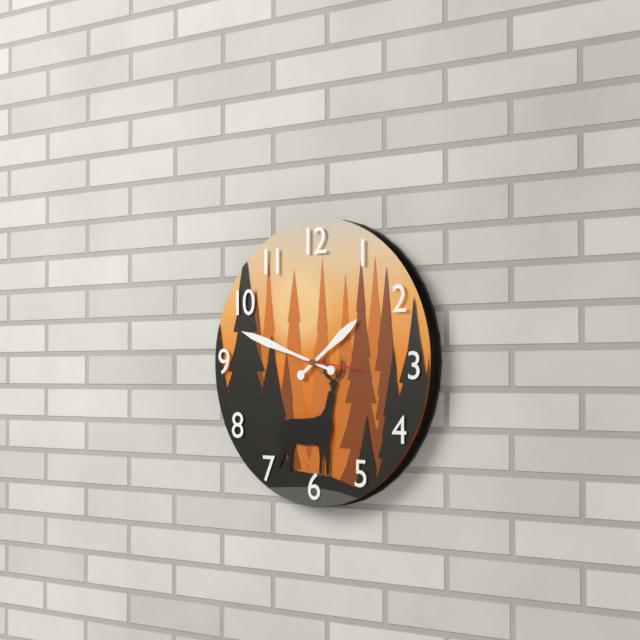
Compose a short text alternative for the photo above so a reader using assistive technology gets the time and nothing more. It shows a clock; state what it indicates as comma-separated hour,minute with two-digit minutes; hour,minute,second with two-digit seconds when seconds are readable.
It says 1,48,16
